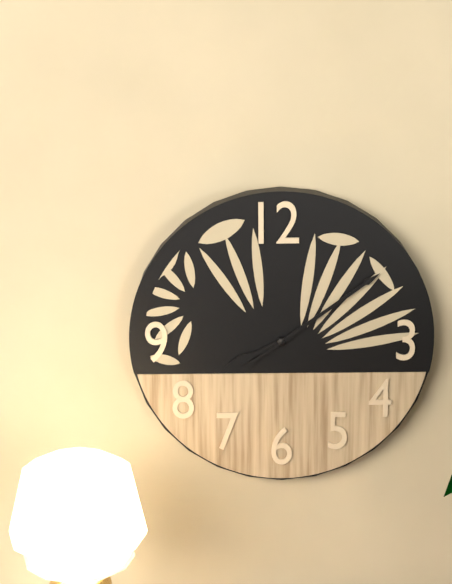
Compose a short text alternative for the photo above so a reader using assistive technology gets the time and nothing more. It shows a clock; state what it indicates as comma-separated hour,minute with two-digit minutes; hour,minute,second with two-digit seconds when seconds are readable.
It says 8,09
